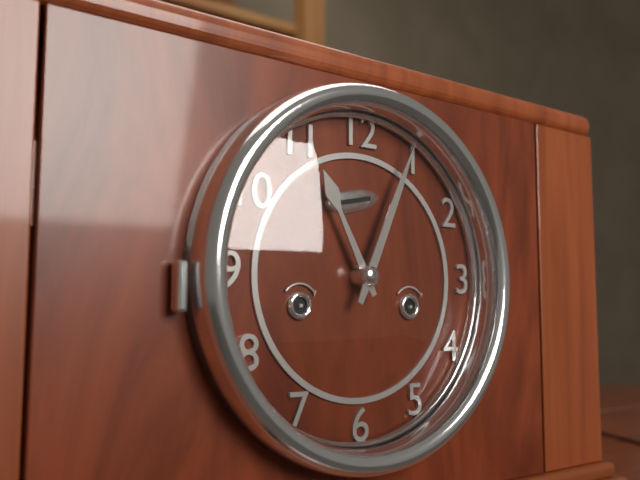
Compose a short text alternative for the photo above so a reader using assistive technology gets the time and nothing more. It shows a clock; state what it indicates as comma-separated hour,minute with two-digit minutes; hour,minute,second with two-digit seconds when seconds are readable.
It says 11,04
